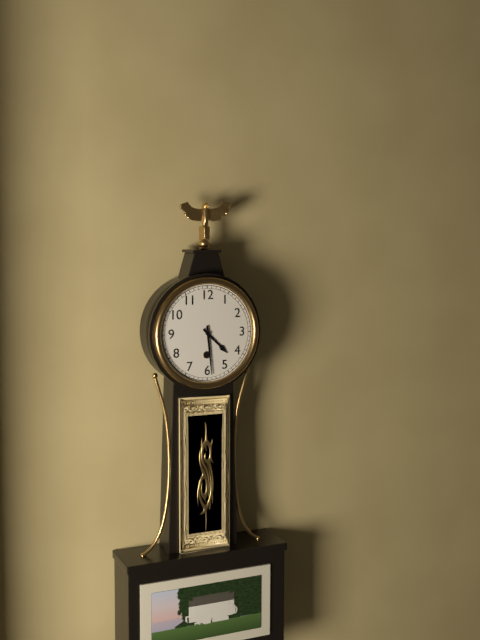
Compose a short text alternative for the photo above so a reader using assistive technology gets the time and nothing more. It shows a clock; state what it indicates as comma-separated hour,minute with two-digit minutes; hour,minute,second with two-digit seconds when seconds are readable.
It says 4,29
